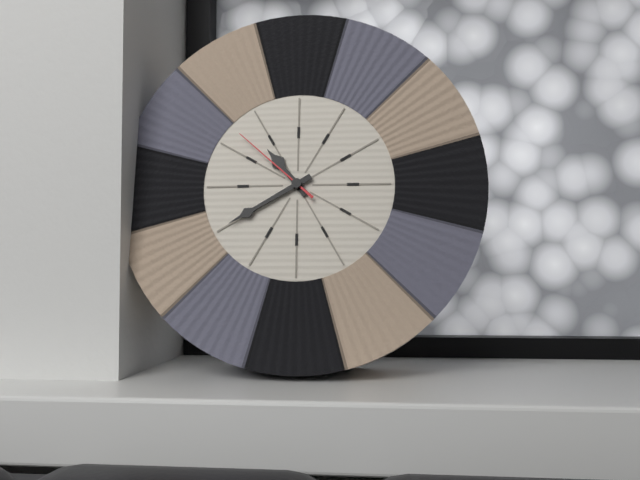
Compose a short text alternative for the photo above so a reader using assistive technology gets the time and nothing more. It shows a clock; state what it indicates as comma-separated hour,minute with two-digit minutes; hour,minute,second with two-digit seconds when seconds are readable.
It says 10,40,52
